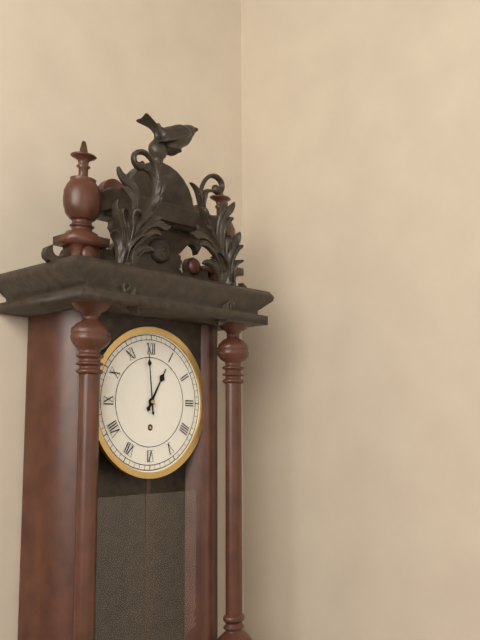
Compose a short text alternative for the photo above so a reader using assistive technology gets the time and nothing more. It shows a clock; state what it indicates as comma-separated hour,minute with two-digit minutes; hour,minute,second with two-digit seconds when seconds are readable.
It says 12,59
